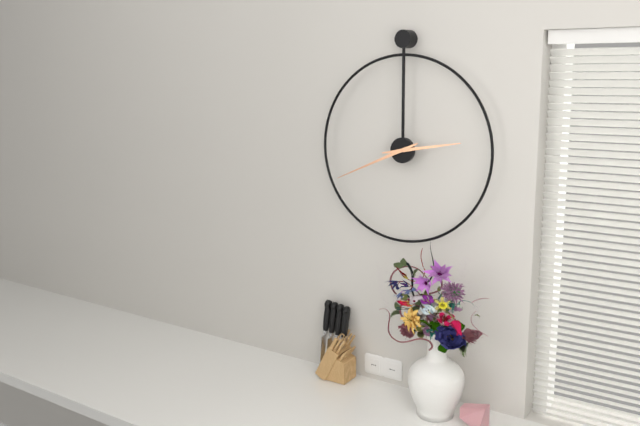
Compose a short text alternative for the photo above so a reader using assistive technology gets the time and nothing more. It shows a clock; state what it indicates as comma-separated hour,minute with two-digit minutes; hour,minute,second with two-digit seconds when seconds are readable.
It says 2,41
